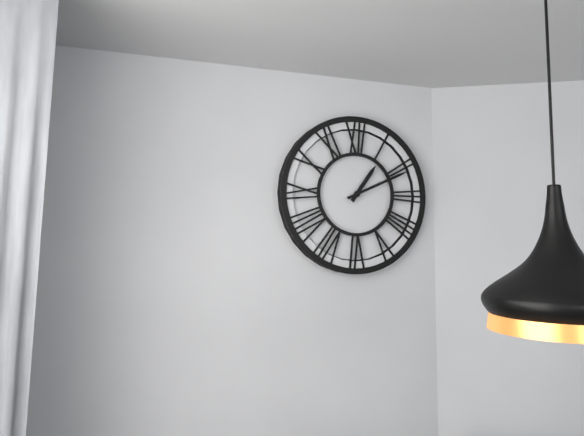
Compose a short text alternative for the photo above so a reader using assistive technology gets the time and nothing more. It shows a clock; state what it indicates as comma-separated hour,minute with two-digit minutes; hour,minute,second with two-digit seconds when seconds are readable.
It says 1,11
